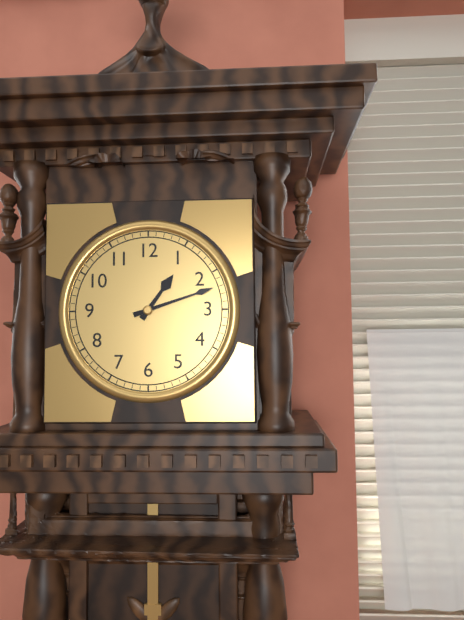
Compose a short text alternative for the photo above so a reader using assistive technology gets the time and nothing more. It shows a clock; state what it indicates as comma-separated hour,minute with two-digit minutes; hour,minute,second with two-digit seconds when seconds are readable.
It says 1,12
